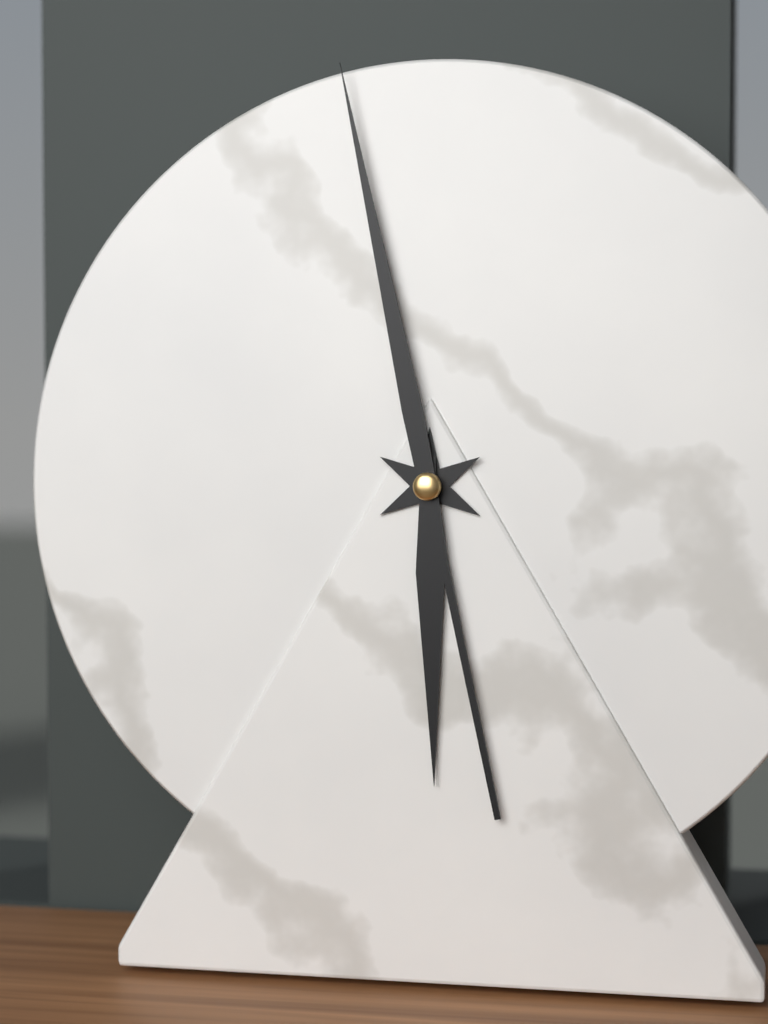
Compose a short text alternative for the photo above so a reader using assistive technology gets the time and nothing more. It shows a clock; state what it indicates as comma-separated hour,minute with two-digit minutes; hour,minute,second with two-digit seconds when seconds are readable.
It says 5,58
